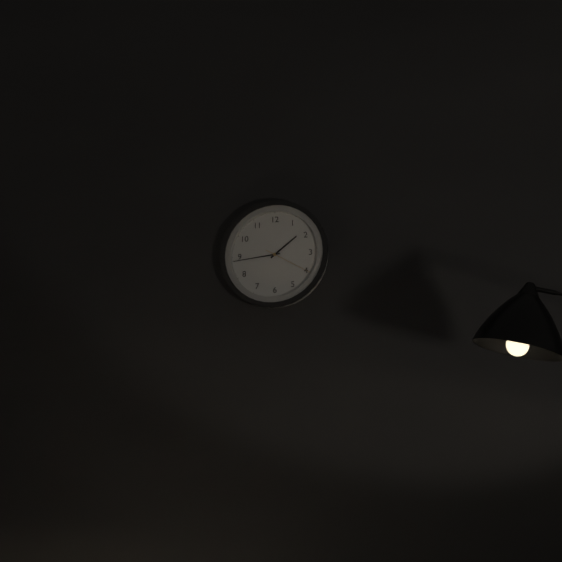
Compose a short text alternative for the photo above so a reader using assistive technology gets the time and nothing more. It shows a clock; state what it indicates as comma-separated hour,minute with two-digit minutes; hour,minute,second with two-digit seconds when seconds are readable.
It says 1,44
